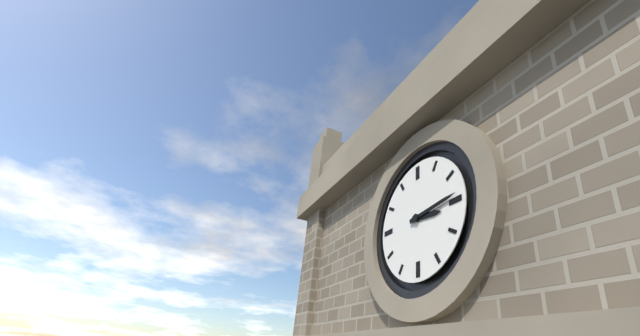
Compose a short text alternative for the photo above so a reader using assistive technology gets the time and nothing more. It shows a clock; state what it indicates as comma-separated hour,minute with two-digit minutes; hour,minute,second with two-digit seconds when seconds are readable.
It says 3,14
